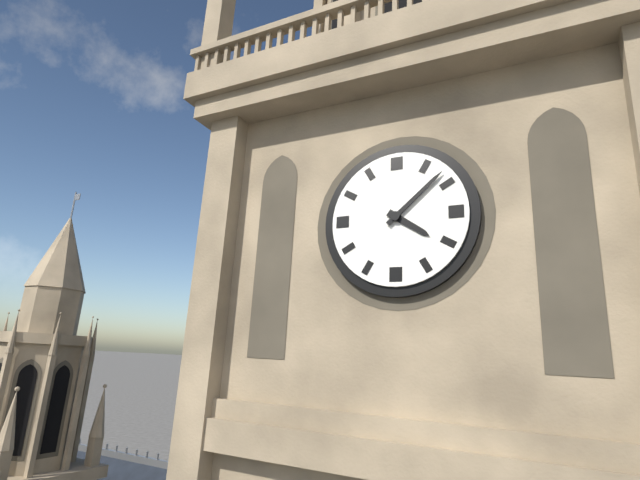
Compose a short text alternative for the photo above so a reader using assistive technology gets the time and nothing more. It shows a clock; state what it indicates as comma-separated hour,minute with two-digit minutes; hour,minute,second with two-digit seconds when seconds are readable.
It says 4,08
